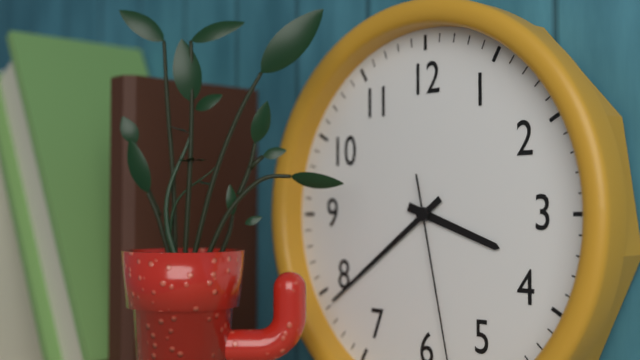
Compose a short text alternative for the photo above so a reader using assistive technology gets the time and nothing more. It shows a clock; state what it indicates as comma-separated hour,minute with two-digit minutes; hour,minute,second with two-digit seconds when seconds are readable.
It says 3,39
